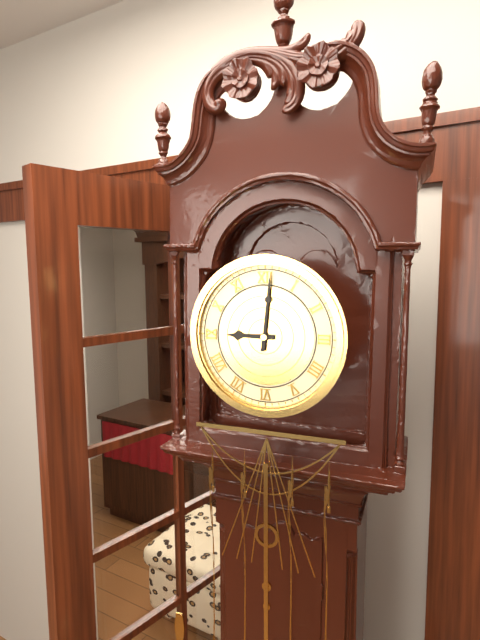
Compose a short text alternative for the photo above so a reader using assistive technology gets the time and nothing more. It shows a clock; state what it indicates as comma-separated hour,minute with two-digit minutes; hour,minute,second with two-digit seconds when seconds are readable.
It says 9,01
